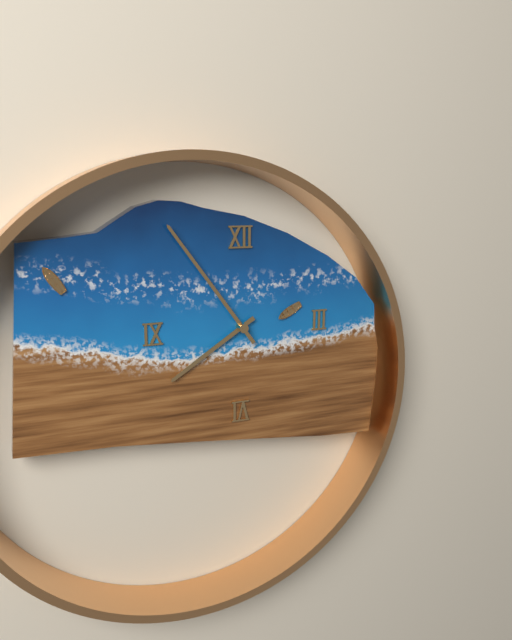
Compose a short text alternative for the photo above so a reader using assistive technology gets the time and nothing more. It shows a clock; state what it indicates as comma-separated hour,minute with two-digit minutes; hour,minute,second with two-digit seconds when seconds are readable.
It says 7,54
